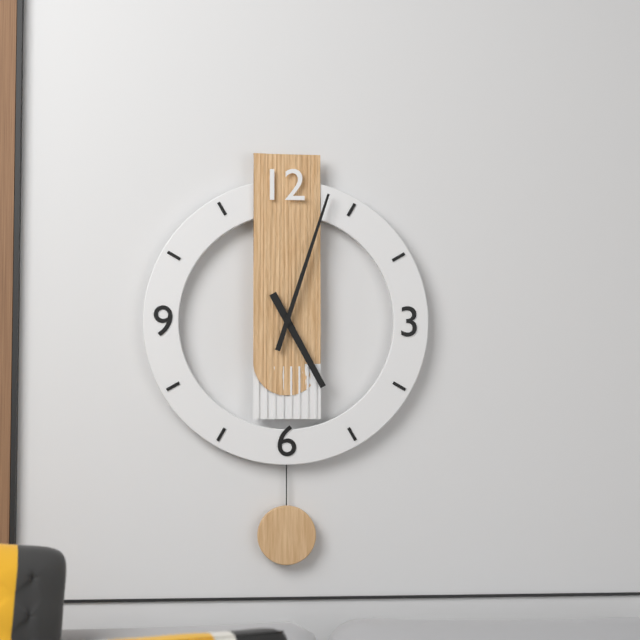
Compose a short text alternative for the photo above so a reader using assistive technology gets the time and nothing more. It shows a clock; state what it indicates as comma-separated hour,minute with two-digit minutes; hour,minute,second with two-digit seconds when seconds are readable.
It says 5,03
